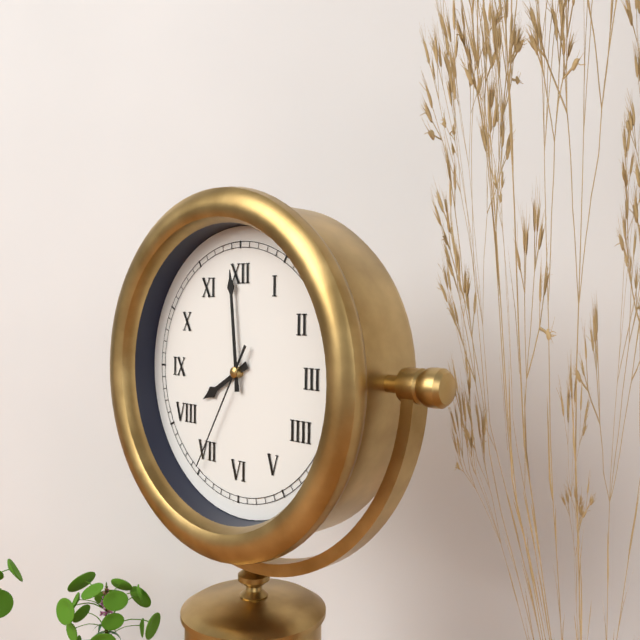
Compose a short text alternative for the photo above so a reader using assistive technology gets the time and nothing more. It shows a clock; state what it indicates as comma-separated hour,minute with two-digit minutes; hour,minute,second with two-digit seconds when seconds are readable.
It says 7,59,35
